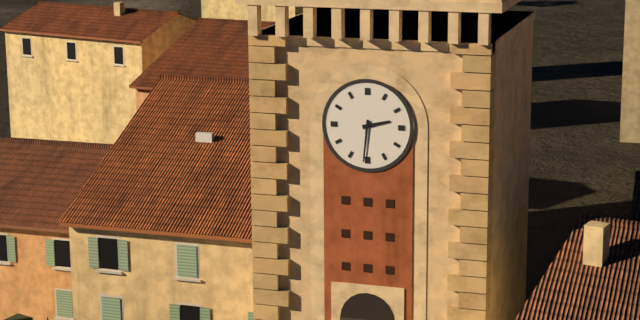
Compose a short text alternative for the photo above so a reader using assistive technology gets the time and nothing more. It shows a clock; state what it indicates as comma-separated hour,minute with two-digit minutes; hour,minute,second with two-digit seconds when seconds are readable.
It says 2,31
